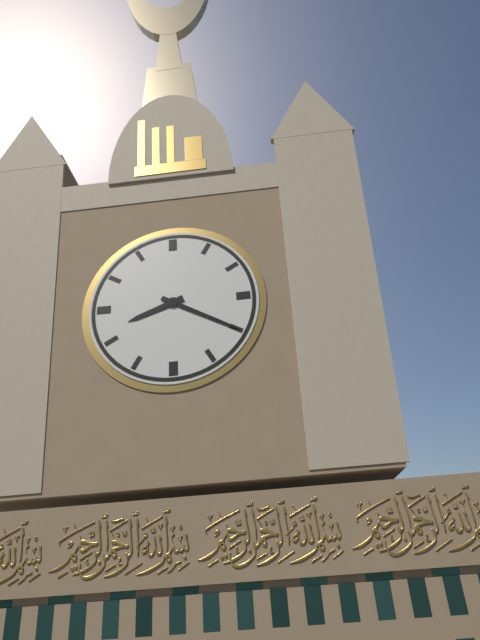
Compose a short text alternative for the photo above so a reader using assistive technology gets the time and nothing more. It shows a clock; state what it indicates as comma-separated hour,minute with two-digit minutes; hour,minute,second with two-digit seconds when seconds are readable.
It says 8,20
